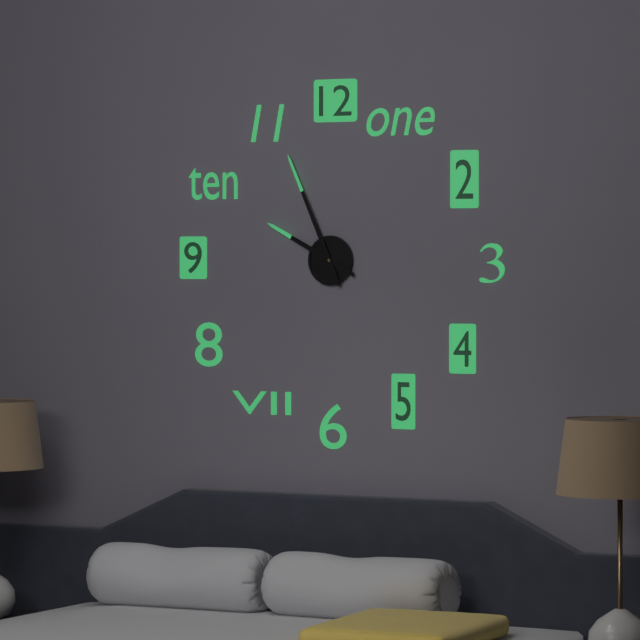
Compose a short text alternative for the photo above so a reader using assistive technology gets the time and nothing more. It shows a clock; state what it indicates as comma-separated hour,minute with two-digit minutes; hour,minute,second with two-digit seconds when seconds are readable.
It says 9,56
